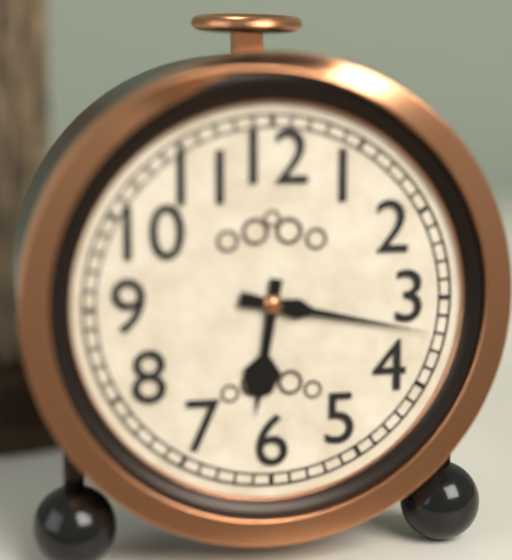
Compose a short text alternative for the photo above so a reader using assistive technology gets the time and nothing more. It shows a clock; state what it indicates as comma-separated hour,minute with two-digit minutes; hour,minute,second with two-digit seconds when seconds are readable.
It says 6,17
